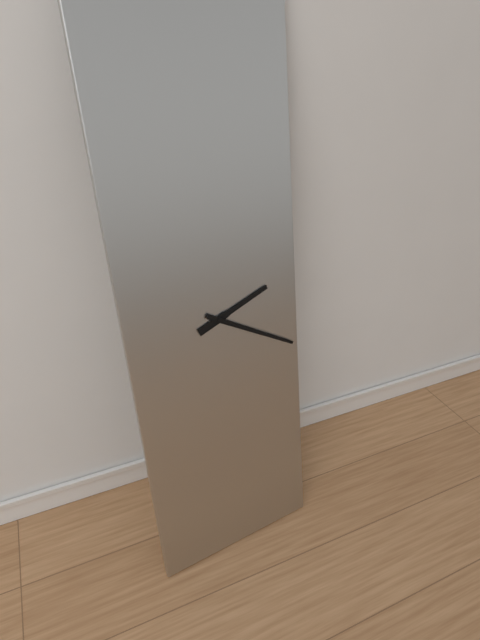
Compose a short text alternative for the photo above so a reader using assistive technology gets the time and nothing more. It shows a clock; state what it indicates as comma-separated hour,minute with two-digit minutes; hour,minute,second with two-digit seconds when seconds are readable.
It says 2,20
